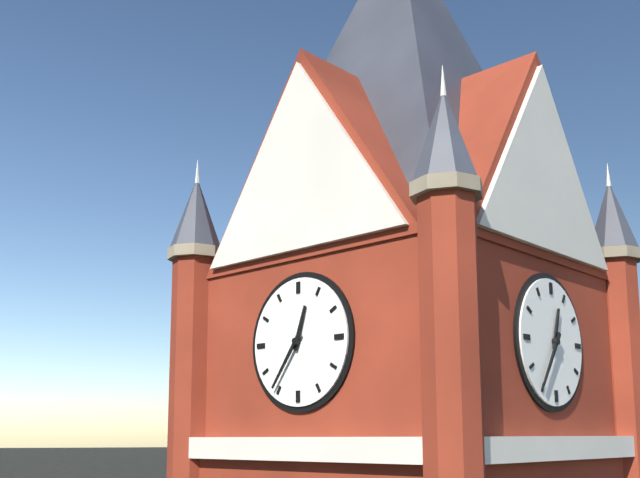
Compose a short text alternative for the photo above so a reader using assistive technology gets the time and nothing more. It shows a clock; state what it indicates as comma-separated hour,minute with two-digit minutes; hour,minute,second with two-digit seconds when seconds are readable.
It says 12,36
